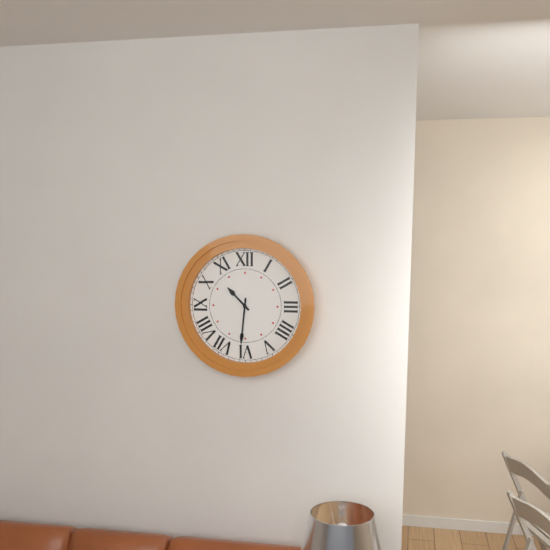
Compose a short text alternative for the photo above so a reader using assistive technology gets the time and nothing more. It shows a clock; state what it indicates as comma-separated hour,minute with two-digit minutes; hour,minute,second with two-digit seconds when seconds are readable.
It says 10,31
